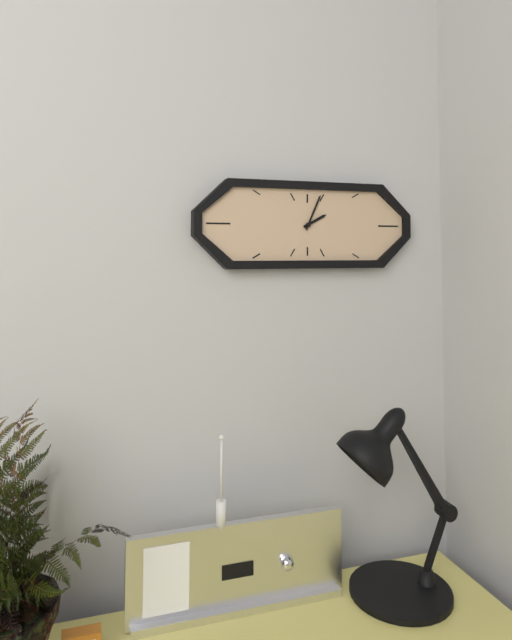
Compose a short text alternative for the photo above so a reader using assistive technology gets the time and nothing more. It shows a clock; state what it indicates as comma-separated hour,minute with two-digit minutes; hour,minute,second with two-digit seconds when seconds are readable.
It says 2,04
